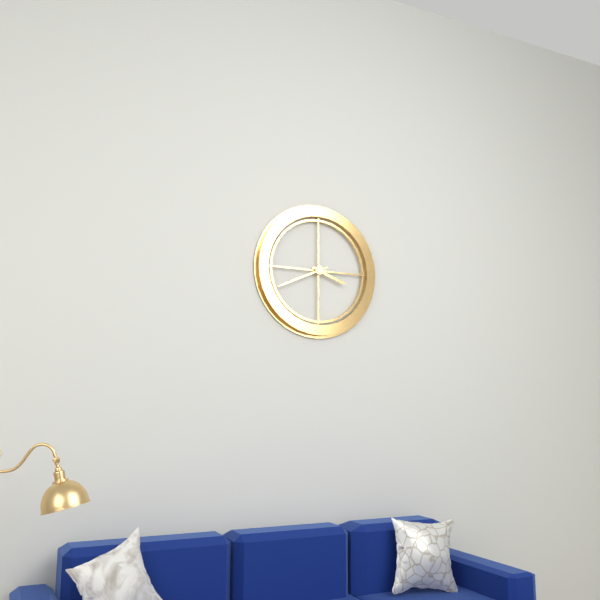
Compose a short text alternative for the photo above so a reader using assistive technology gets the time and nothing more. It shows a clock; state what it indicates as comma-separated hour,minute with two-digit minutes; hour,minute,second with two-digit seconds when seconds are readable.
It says 3,41
